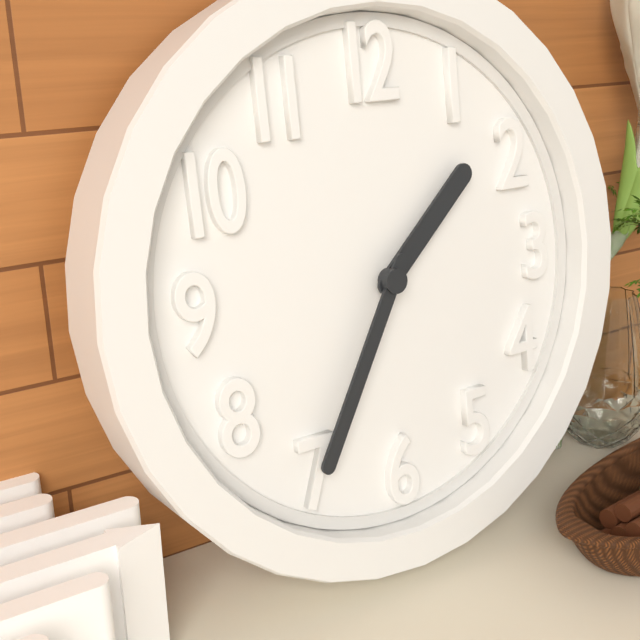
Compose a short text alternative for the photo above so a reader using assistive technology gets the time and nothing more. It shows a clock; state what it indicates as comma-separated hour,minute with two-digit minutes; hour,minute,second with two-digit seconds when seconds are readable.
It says 1,35
